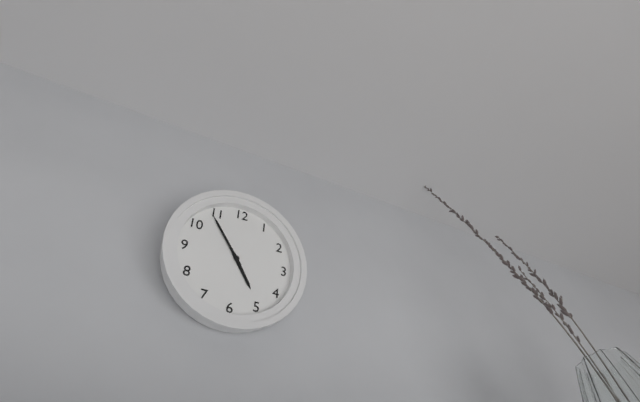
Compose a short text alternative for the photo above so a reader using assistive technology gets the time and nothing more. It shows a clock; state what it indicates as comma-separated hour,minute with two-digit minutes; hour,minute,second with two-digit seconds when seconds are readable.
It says 4,54
